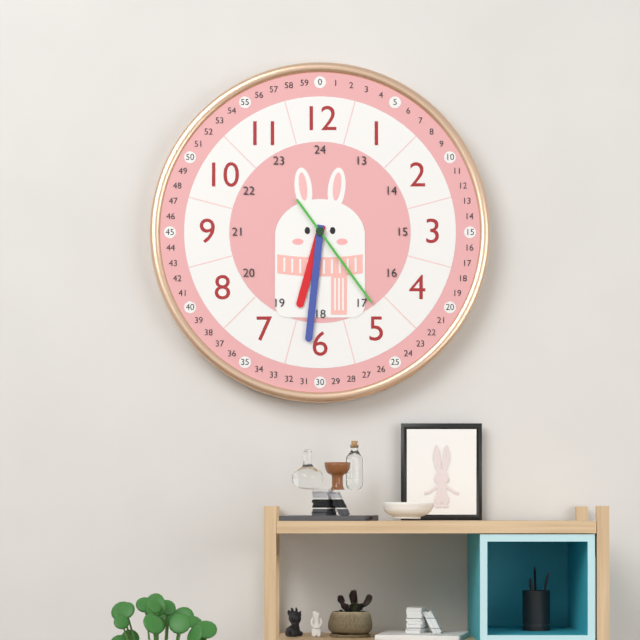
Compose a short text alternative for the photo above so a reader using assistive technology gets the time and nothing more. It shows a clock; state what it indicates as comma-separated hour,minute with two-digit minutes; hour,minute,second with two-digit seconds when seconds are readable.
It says 6,31,24
